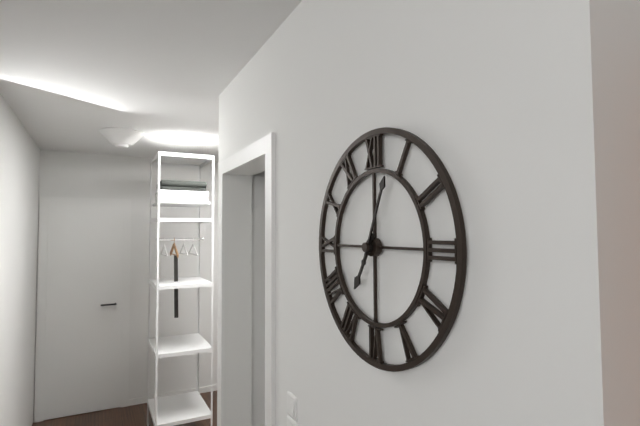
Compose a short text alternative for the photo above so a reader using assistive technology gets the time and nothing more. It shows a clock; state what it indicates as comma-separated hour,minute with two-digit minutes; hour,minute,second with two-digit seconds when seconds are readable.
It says 7,04
